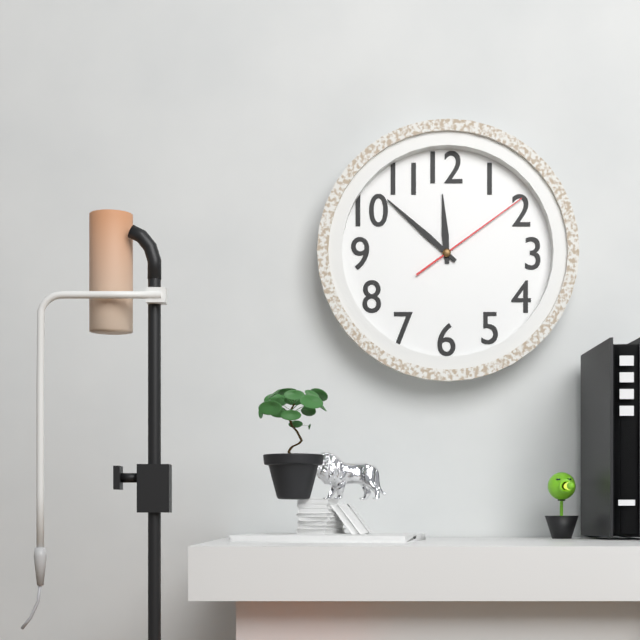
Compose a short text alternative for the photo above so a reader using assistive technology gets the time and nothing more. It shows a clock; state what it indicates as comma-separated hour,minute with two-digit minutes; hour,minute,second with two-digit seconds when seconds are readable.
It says 11,52,09
